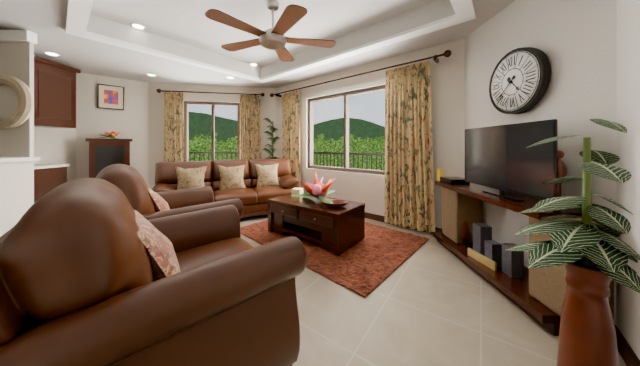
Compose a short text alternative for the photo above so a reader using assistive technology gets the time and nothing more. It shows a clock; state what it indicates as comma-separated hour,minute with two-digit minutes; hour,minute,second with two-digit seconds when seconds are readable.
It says 4,38
